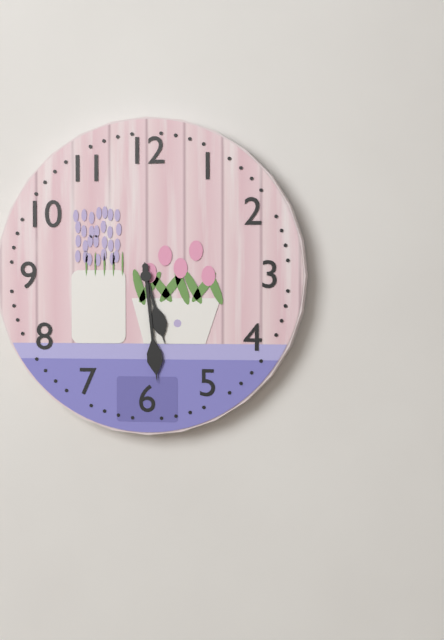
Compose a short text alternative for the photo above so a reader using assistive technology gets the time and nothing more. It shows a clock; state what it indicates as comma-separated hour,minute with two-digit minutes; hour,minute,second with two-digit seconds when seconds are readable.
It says 5,29
